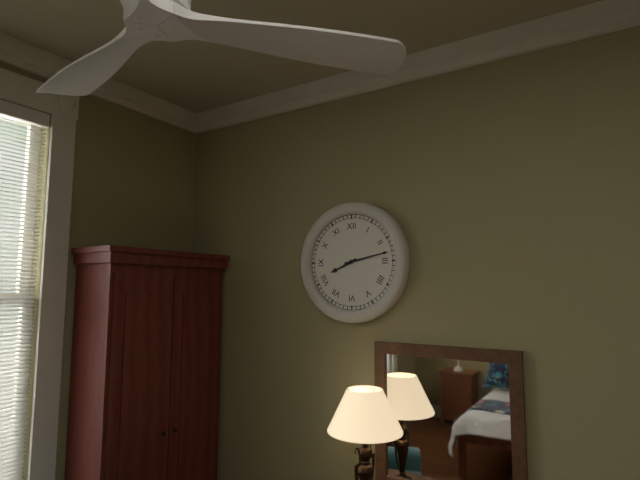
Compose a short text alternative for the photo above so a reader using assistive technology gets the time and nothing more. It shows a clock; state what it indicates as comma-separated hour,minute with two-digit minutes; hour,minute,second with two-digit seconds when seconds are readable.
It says 8,13
